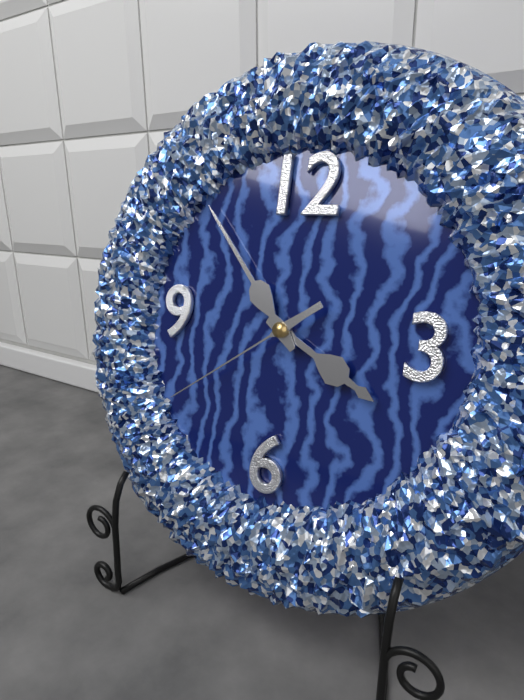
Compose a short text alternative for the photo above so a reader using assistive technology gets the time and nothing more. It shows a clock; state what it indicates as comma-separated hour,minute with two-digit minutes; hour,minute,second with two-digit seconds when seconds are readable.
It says 3,53,39
